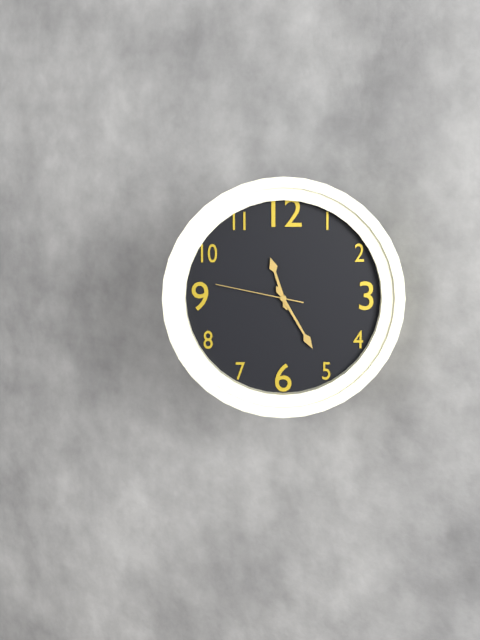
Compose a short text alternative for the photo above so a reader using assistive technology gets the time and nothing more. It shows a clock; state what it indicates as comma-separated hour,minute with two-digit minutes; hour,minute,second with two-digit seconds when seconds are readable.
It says 11,25,47
